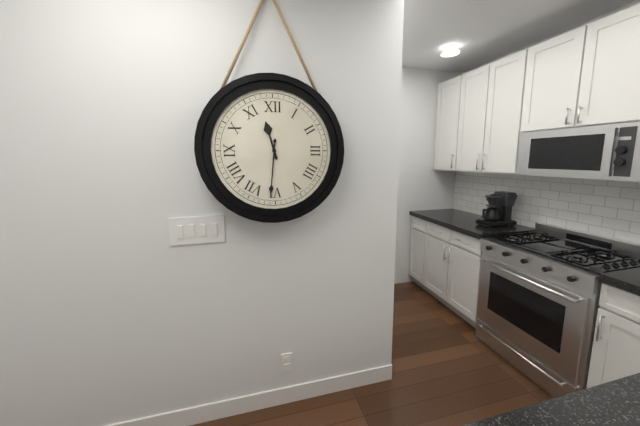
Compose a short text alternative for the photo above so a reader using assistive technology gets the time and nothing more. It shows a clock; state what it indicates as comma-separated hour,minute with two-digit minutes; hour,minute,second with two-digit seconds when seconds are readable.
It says 11,31
